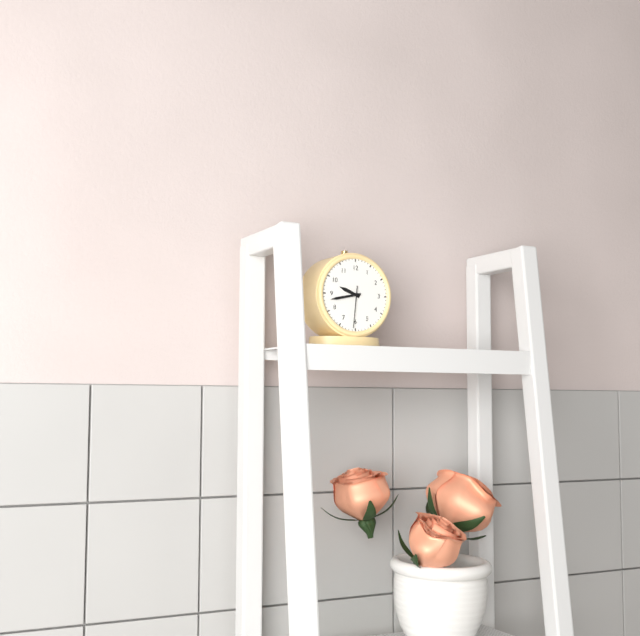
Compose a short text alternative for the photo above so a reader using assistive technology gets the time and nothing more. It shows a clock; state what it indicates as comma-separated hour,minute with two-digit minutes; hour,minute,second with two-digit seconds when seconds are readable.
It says 9,43
